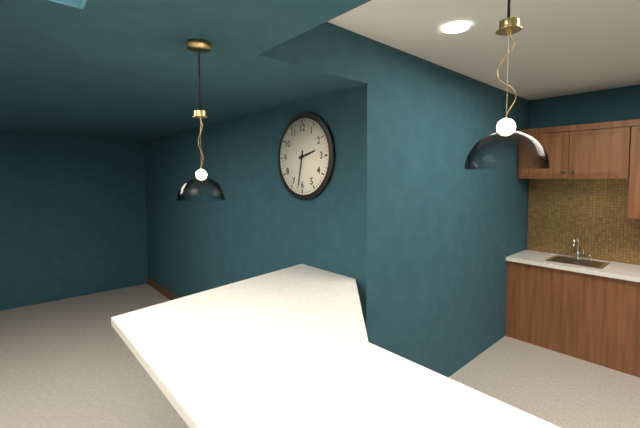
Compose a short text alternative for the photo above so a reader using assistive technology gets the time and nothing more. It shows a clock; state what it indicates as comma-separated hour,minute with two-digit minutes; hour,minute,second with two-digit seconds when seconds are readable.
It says 2,32
